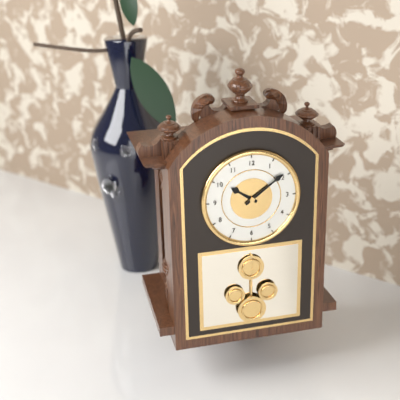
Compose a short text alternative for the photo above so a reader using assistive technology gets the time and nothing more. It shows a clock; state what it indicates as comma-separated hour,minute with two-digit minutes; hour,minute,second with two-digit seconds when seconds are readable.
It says 10,09
